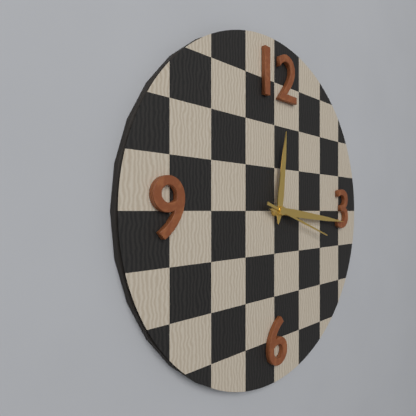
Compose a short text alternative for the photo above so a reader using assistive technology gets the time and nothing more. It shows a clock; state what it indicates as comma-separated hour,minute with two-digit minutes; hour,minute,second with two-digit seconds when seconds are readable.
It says 12,16,18
